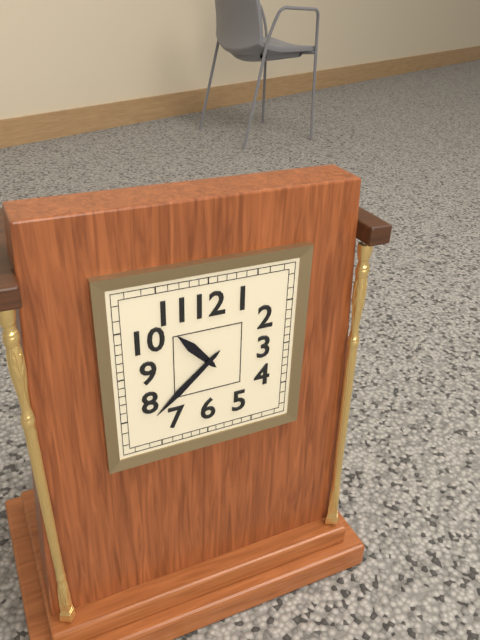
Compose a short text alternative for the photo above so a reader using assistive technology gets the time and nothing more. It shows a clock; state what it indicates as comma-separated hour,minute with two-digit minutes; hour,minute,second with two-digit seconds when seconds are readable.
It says 10,38
